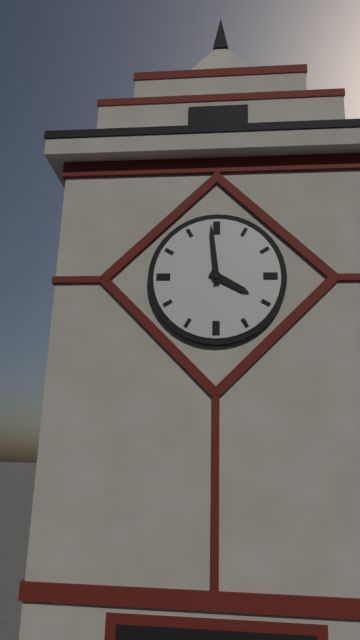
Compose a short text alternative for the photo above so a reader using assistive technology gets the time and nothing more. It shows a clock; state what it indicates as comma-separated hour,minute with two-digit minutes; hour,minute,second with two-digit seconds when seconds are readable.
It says 3,59
